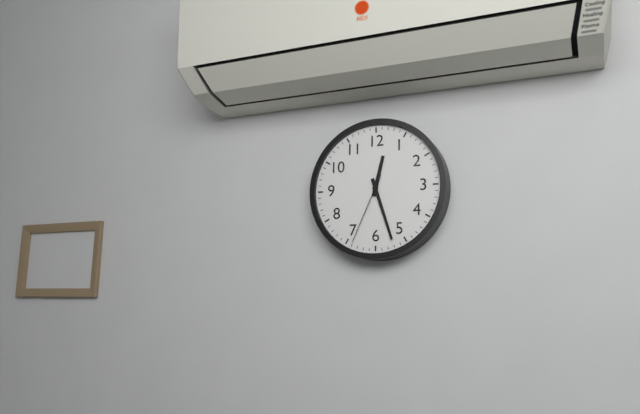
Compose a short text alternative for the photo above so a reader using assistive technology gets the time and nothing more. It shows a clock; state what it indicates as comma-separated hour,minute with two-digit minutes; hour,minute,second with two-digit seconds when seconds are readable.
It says 12,27,34
